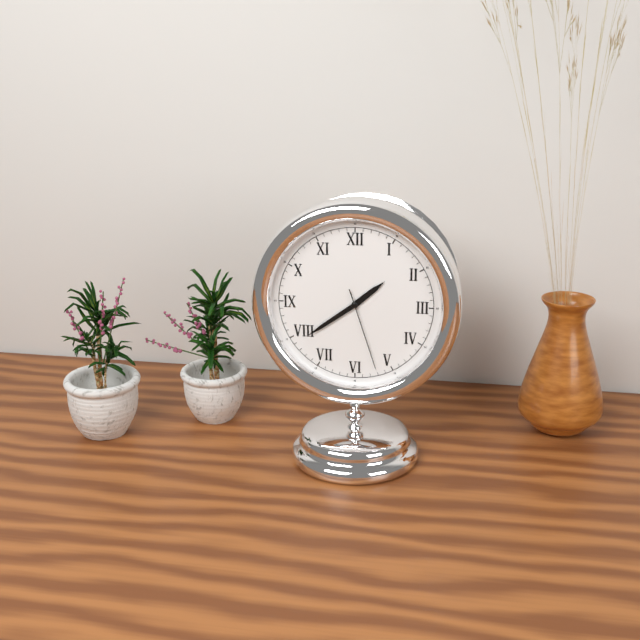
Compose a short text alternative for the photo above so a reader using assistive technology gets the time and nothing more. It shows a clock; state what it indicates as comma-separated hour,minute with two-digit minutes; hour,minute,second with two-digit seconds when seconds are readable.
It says 1,39,27
